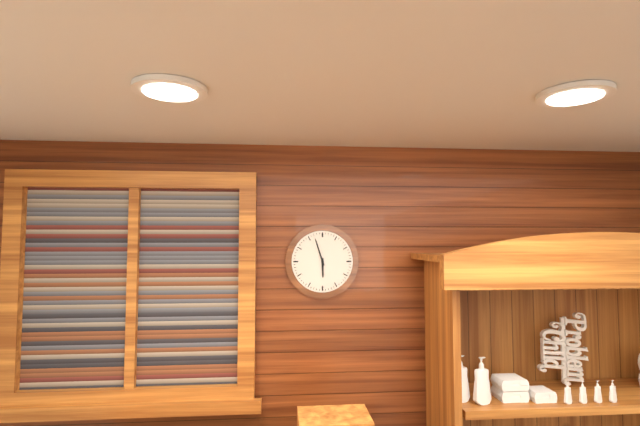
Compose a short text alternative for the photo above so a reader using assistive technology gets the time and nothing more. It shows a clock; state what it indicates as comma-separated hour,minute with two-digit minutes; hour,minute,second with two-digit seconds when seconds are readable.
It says 5,57
